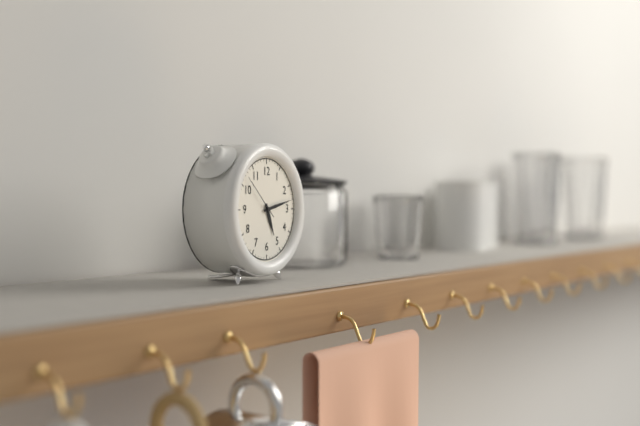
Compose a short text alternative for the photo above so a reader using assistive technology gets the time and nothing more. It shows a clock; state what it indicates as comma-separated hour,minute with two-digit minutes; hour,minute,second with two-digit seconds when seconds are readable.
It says 5,13
